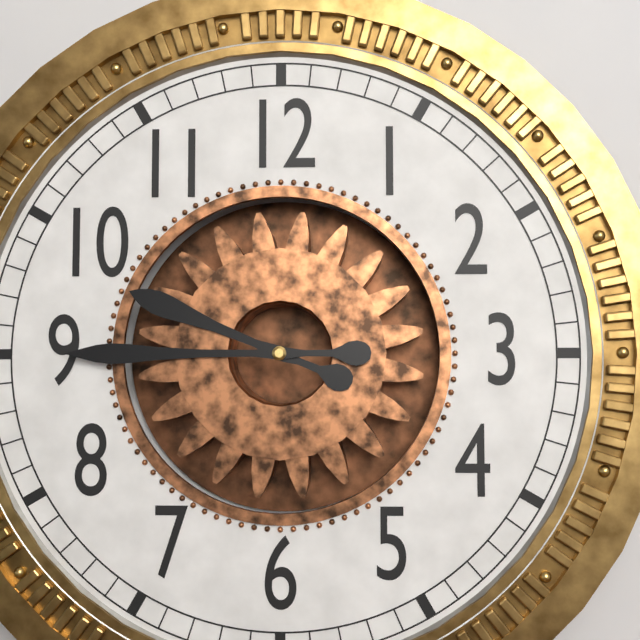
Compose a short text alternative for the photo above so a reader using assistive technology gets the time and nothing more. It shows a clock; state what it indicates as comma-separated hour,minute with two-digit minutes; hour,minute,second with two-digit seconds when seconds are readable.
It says 9,45
